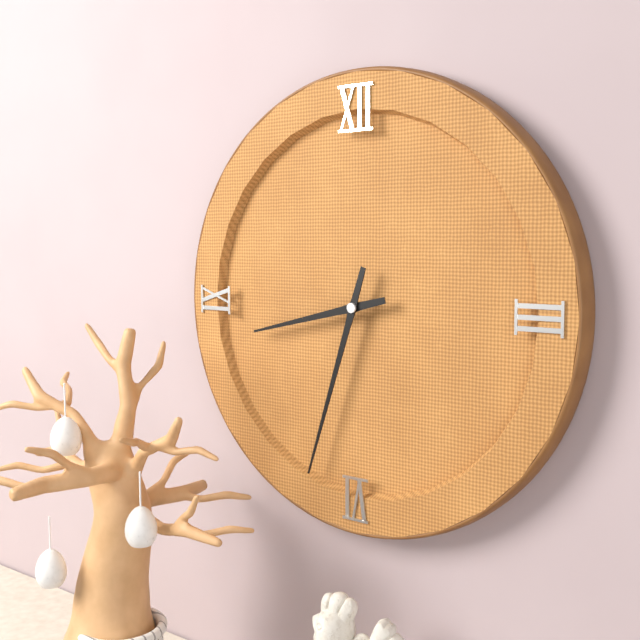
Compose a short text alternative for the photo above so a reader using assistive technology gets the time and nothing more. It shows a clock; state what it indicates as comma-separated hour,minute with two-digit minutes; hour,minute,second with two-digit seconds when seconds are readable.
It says 8,33
